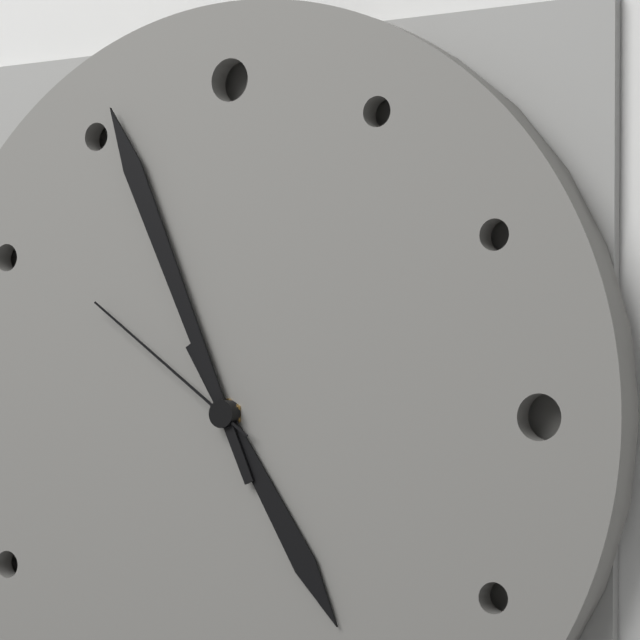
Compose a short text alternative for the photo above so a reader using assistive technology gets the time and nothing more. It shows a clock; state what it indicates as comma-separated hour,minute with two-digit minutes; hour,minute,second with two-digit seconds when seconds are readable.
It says 4,56,51
